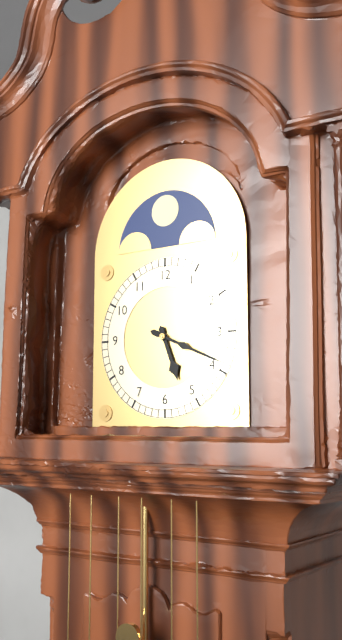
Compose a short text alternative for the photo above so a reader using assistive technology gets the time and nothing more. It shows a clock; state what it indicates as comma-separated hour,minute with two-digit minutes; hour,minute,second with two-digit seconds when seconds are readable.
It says 5,19
